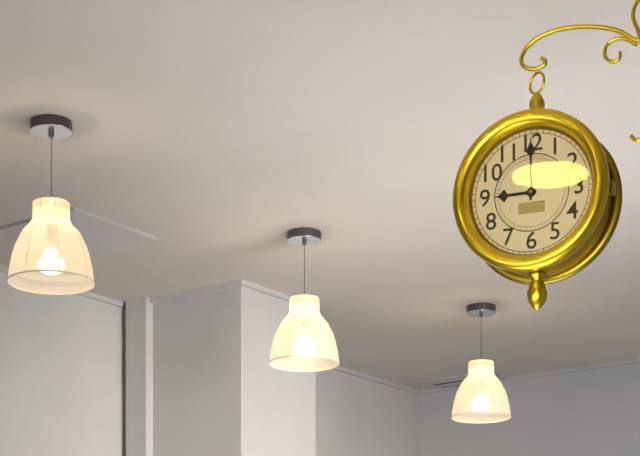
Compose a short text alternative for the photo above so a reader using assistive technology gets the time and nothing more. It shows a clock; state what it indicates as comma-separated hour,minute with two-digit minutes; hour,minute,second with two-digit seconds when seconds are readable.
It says 9,00
